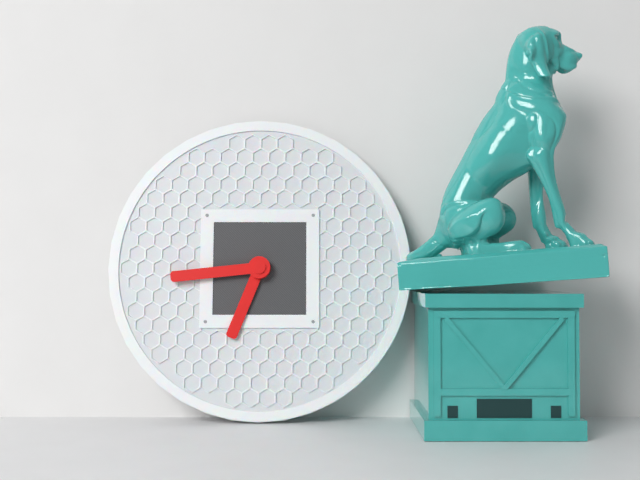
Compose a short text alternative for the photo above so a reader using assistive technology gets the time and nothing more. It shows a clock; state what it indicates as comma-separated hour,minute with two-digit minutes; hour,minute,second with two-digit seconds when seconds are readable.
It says 6,44
